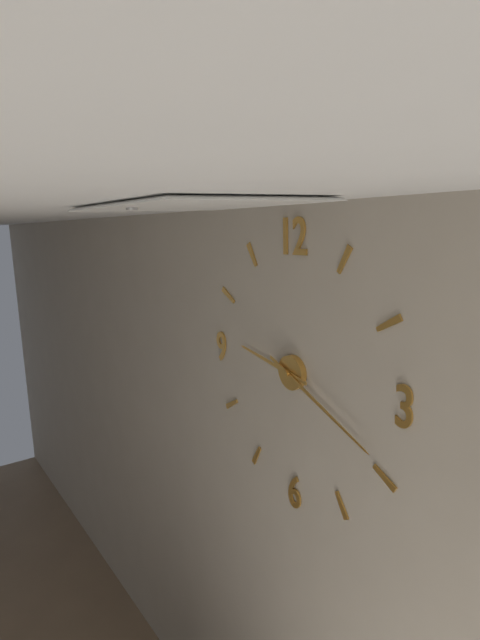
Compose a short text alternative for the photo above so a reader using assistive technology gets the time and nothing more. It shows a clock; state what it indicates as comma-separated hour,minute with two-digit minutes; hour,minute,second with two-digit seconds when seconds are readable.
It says 9,19
